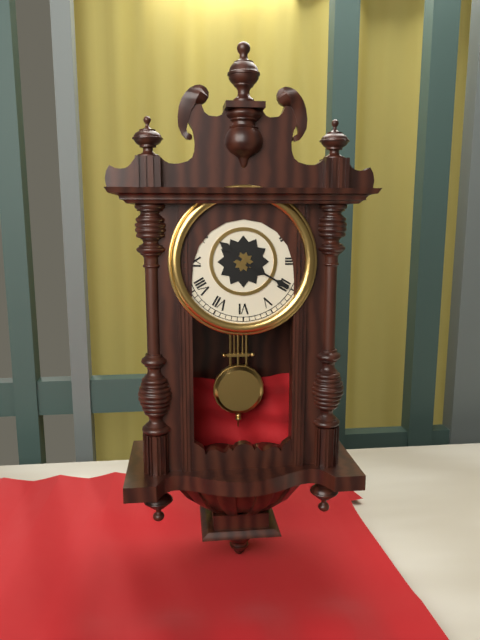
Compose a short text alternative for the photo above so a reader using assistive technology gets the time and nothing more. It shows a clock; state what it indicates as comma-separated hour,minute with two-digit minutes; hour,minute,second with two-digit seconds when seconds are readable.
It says 10,20
